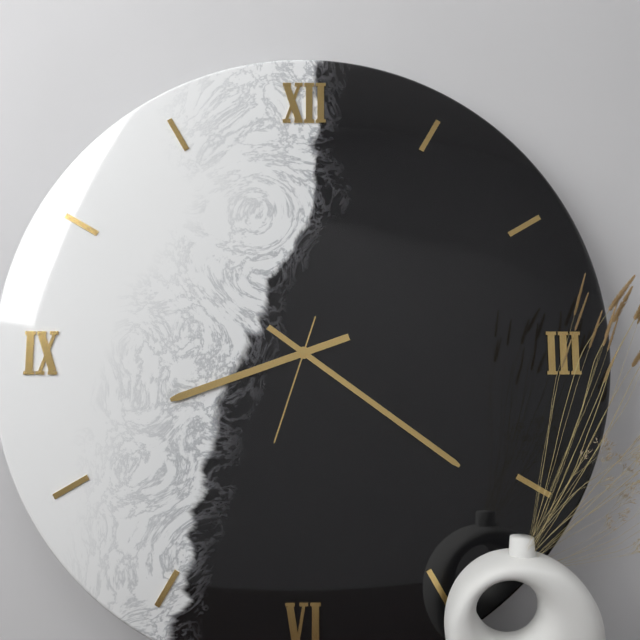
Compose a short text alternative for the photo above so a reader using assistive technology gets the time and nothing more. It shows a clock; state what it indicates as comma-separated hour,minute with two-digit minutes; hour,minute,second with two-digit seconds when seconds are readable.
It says 8,21,33
